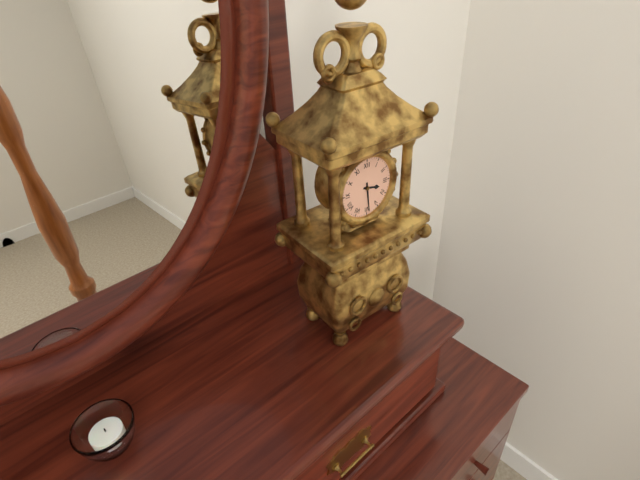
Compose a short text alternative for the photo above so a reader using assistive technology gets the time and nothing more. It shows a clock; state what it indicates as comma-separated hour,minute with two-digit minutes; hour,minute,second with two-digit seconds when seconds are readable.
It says 3,29
